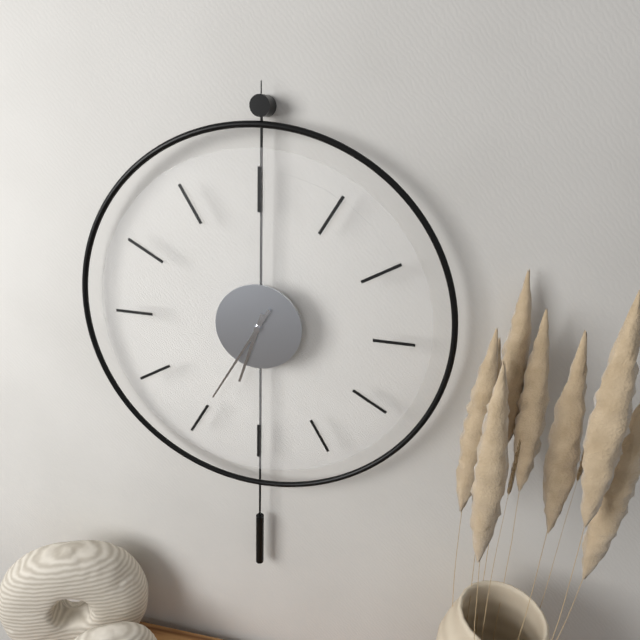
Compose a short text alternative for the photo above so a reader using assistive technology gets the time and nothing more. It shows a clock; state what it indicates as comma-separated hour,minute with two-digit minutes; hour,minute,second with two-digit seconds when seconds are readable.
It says 6,35
